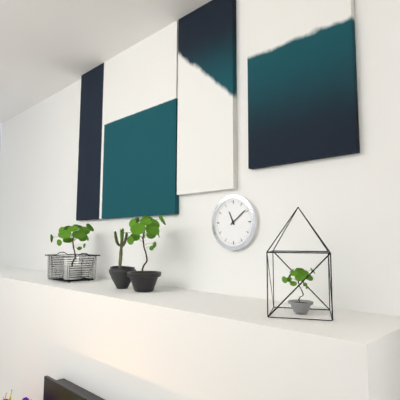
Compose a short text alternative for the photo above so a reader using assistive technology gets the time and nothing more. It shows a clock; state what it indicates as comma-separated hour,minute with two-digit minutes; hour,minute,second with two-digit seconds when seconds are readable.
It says 11,09
